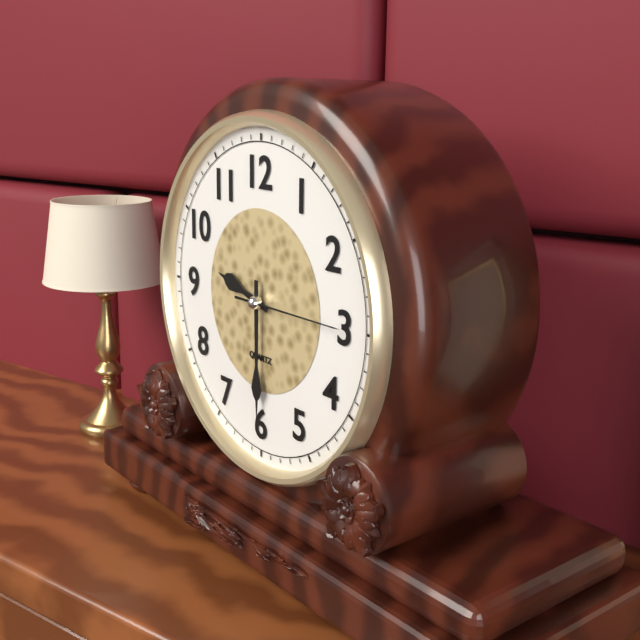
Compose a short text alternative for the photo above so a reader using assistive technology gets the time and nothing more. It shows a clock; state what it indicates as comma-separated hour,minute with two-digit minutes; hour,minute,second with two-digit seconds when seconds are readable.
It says 9,30,15
